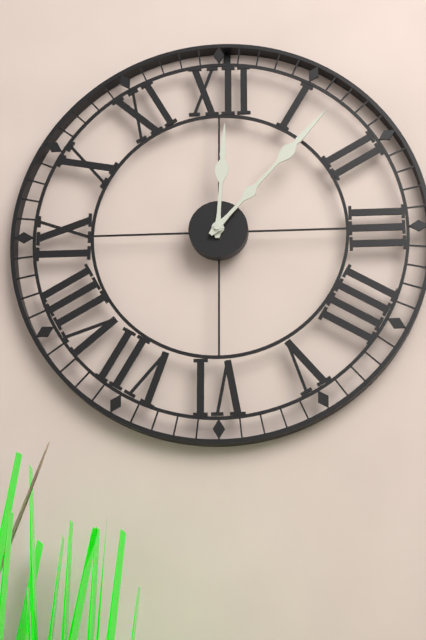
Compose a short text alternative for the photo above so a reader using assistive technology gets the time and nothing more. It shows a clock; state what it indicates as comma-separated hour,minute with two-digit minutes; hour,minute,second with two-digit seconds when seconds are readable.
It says 12,07
